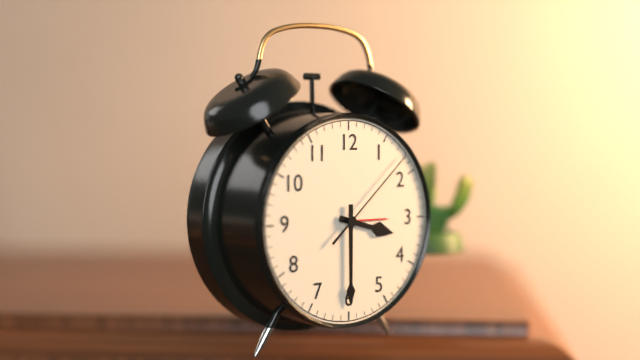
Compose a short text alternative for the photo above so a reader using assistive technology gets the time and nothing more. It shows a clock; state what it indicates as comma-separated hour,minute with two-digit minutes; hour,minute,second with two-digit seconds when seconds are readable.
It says 3,30,08
